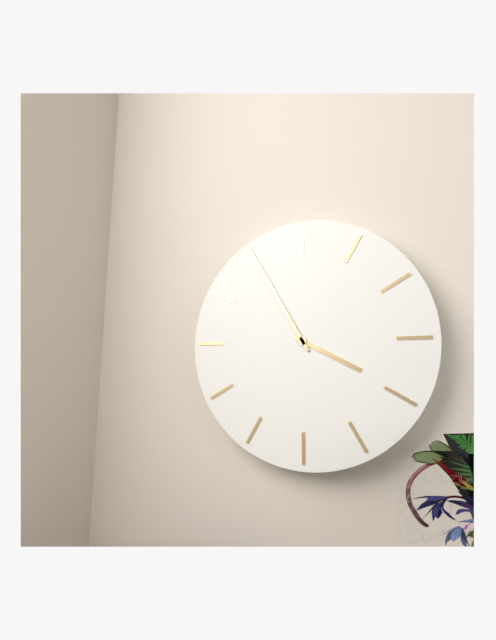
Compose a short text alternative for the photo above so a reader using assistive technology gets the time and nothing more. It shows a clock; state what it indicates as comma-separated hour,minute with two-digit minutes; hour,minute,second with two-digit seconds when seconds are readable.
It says 3,55
